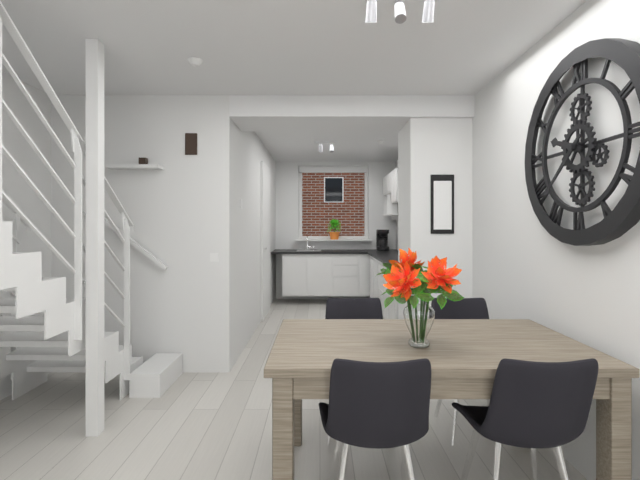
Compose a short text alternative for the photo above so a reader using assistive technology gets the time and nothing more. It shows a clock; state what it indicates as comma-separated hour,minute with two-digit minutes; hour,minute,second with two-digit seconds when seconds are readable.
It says 9,38
